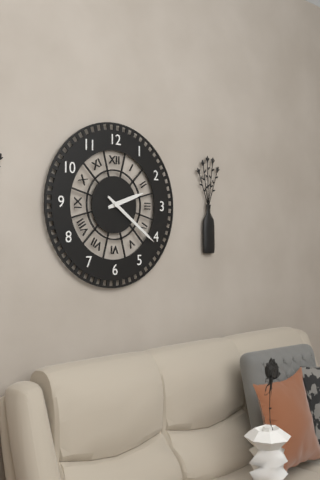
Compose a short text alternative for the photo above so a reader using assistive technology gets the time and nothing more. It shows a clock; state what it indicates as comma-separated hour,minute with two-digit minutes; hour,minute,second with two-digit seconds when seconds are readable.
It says 2,21
